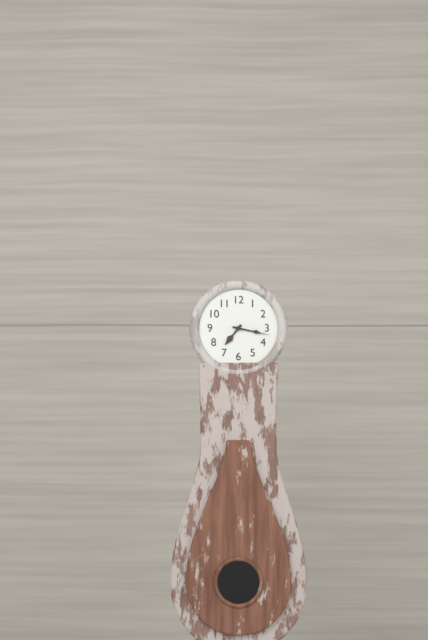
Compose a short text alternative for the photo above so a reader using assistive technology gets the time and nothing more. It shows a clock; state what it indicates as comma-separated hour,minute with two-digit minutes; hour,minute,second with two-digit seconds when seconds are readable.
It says 7,17
